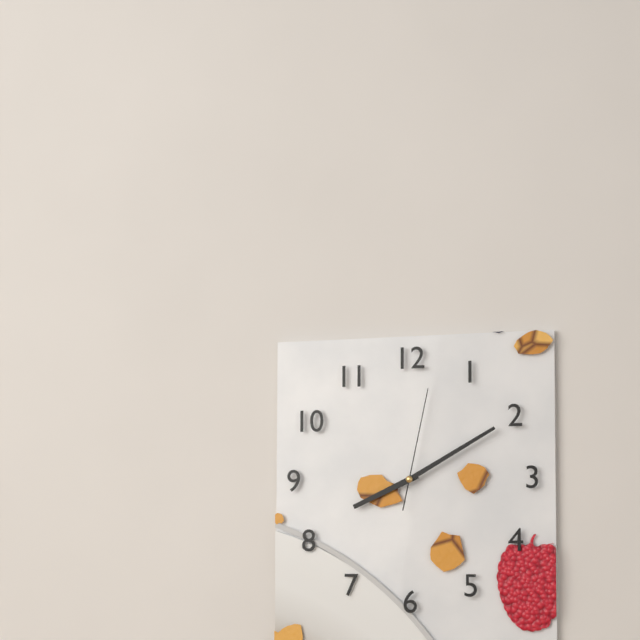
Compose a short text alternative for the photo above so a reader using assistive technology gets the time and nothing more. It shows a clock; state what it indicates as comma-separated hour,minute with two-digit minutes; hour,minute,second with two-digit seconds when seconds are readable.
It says 8,10,02
